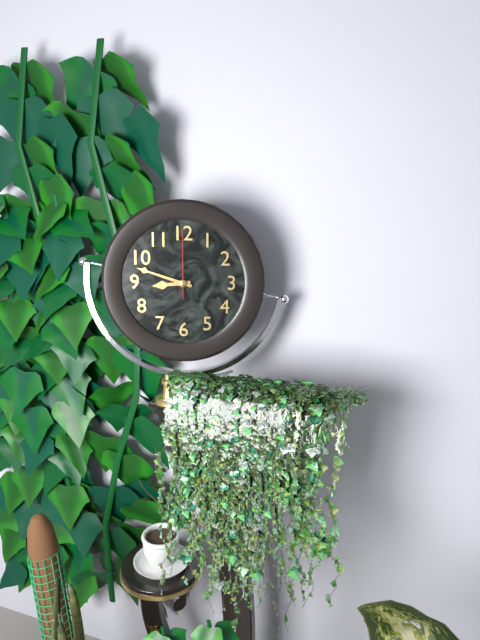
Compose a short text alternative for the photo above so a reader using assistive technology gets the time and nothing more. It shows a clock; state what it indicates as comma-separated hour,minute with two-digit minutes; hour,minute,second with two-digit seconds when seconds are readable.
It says 8,48,00
